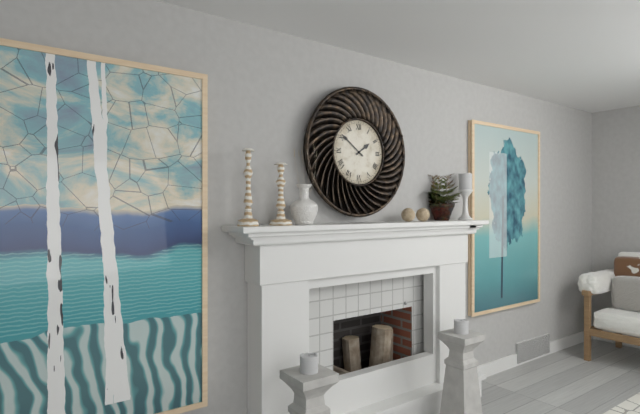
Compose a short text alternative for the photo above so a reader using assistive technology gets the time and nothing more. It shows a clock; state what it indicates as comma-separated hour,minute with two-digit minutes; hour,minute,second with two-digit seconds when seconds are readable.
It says 1,51
